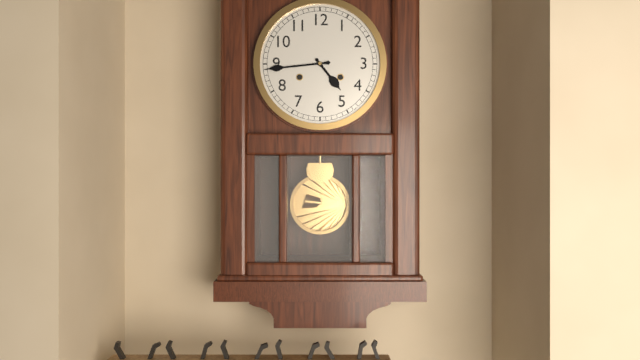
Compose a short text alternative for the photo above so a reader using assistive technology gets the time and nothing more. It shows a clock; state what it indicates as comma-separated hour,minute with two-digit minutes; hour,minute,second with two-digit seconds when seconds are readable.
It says 4,44
